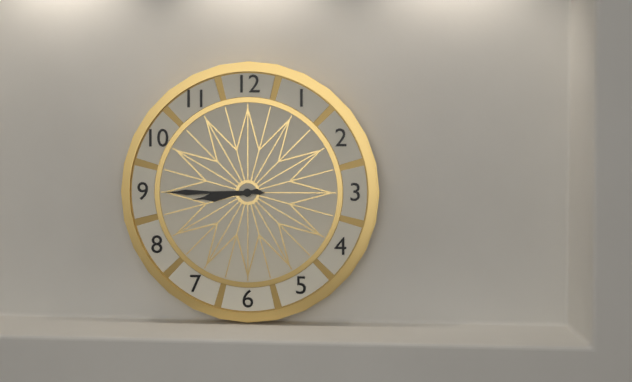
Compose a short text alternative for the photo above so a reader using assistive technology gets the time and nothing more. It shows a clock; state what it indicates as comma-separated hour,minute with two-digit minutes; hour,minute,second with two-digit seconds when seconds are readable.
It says 8,45
